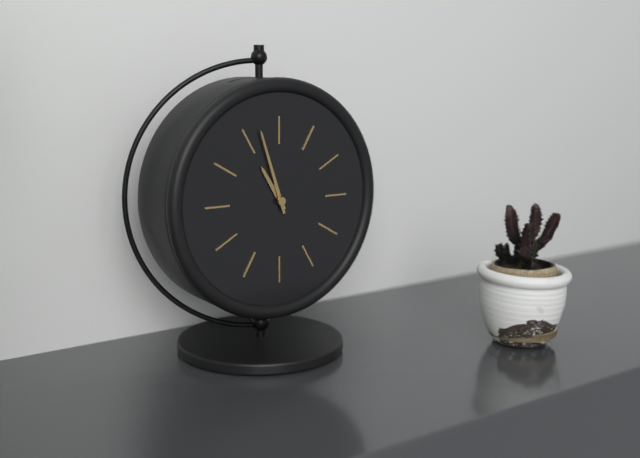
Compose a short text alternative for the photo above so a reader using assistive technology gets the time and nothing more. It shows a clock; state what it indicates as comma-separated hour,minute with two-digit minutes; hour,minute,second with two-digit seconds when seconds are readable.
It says 10,57
